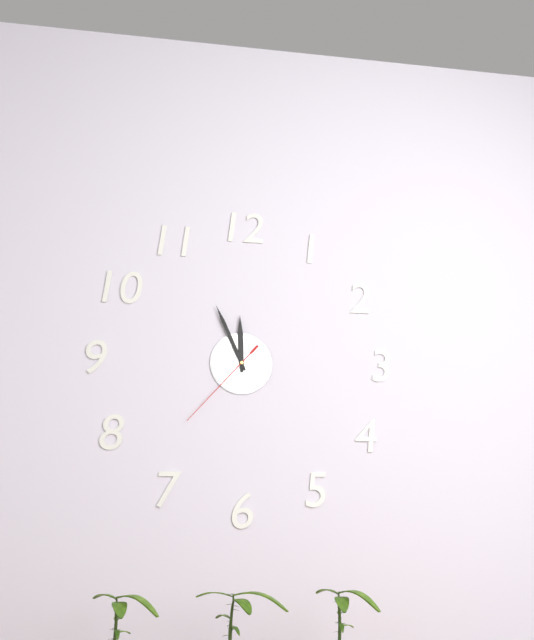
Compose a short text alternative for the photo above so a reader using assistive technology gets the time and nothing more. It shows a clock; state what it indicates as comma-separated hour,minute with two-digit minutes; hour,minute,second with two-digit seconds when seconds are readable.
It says 11,56,37
